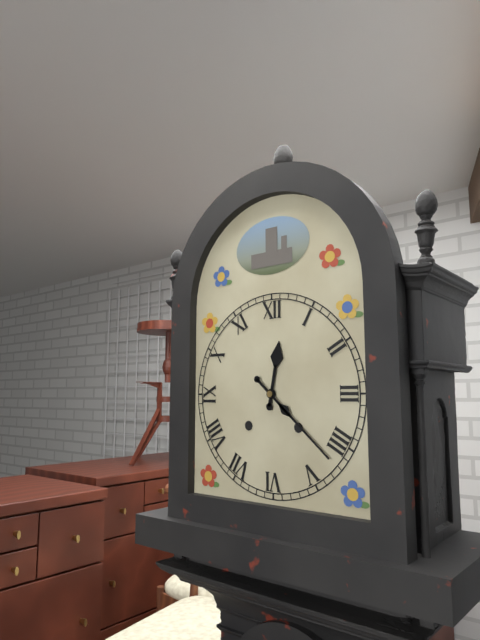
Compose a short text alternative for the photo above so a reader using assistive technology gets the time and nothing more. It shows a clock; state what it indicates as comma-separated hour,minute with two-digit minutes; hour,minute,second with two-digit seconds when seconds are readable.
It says 12,22
